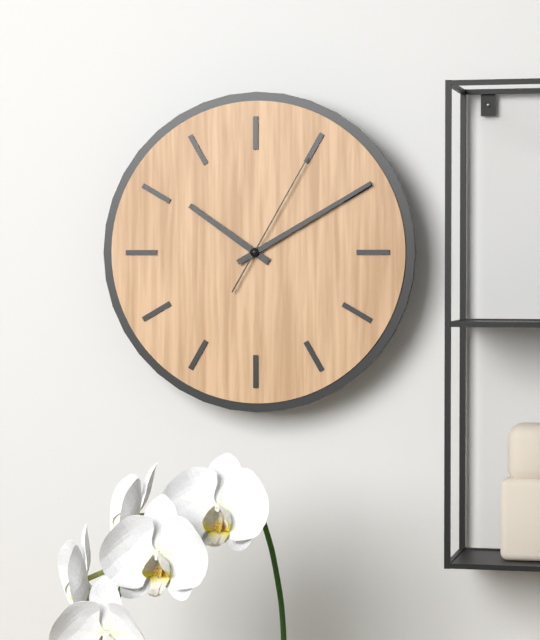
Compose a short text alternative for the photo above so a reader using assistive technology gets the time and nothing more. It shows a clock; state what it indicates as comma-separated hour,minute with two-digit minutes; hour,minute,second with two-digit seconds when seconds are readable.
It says 10,10,05
